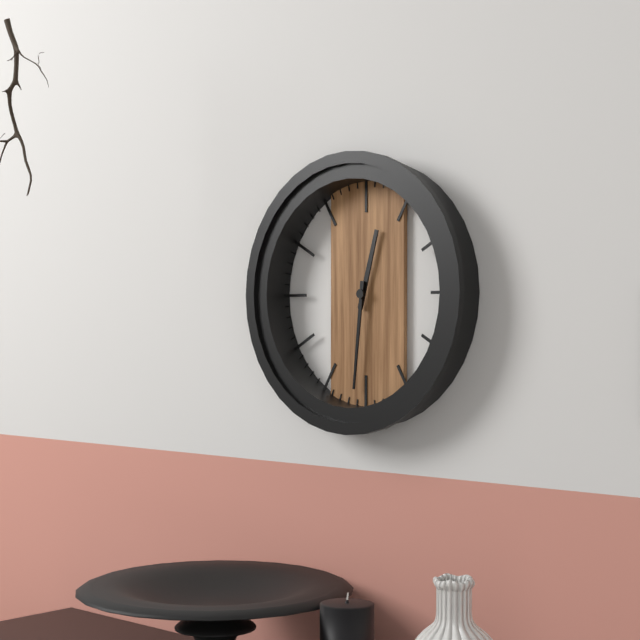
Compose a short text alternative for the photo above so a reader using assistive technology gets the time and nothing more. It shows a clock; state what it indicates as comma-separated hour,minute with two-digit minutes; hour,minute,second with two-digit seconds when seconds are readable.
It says 12,31
